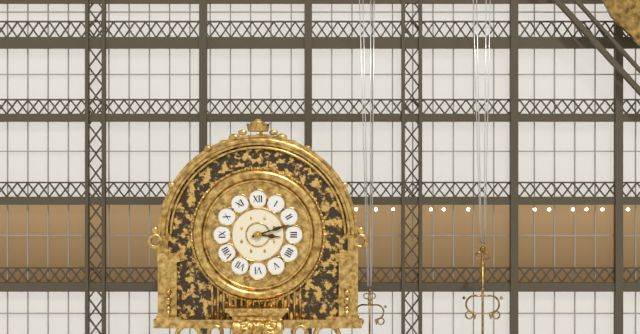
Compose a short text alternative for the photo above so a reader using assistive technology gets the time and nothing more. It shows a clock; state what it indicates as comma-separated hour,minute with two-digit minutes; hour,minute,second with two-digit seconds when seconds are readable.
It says 3,12
